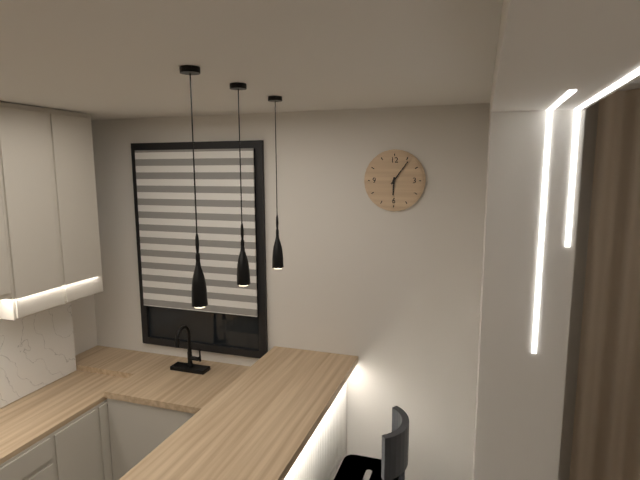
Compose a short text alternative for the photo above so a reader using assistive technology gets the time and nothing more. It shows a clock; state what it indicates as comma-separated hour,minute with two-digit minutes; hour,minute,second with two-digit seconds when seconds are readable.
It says 6,06
